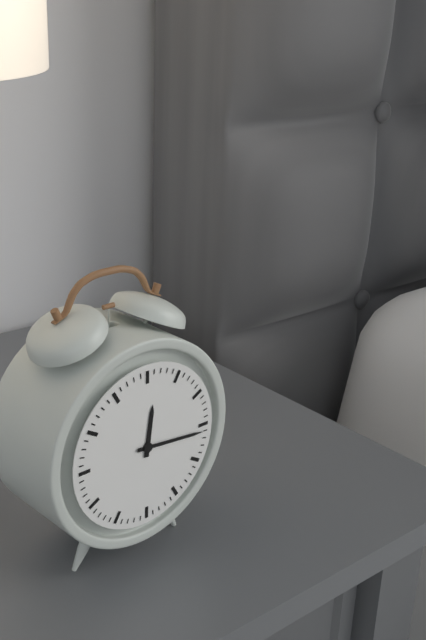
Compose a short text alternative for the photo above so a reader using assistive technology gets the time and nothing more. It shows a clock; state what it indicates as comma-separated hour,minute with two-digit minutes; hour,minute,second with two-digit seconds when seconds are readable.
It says 12,16
